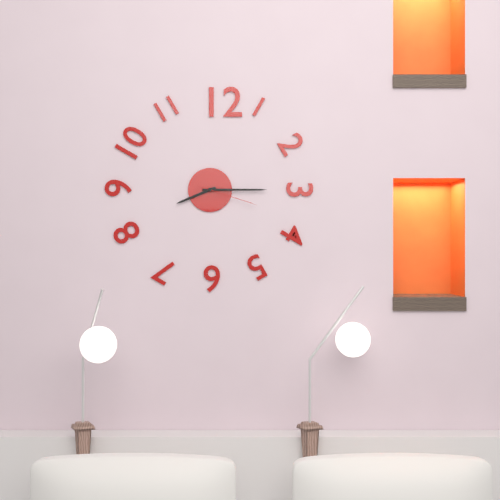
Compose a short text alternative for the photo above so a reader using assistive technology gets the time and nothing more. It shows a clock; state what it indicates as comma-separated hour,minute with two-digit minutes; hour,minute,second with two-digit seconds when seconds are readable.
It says 8,15,18
